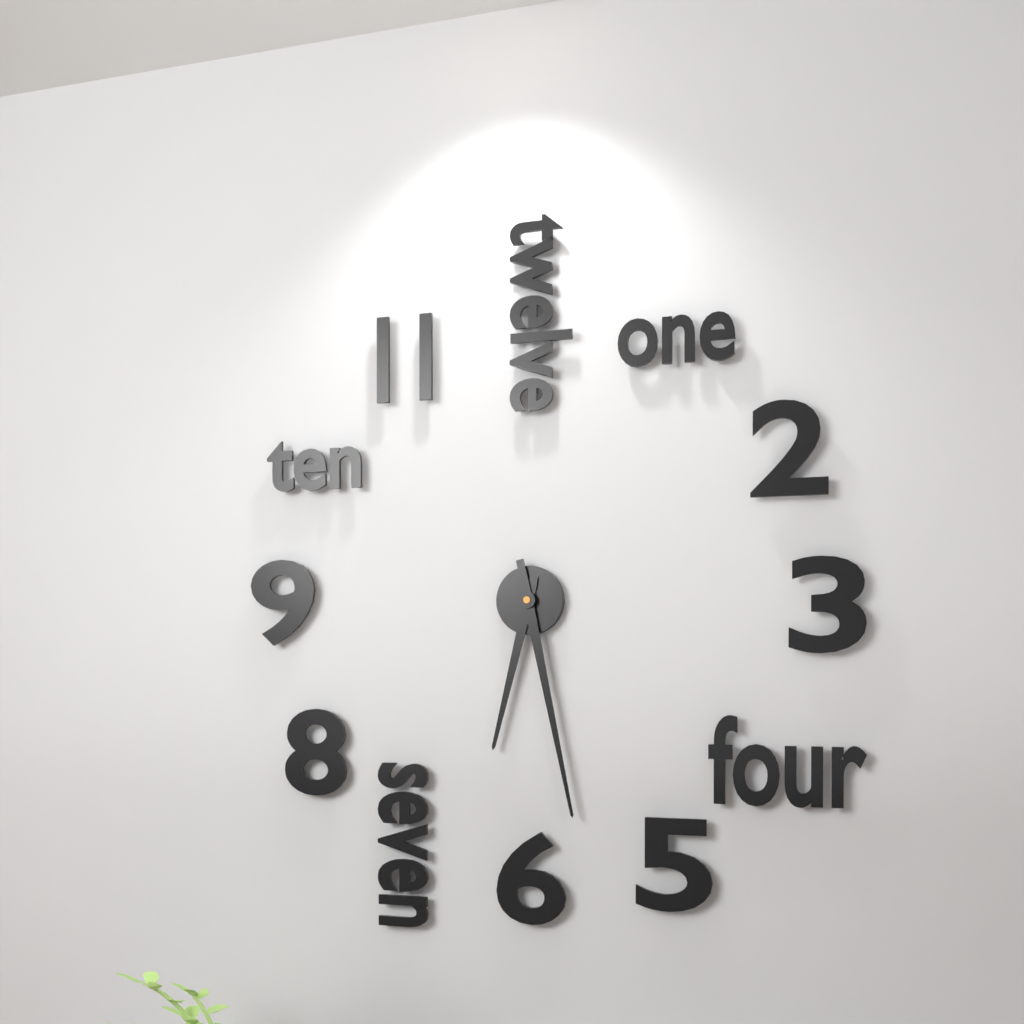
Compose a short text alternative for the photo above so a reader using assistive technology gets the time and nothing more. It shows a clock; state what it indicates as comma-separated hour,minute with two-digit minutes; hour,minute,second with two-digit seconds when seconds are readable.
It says 6,28
